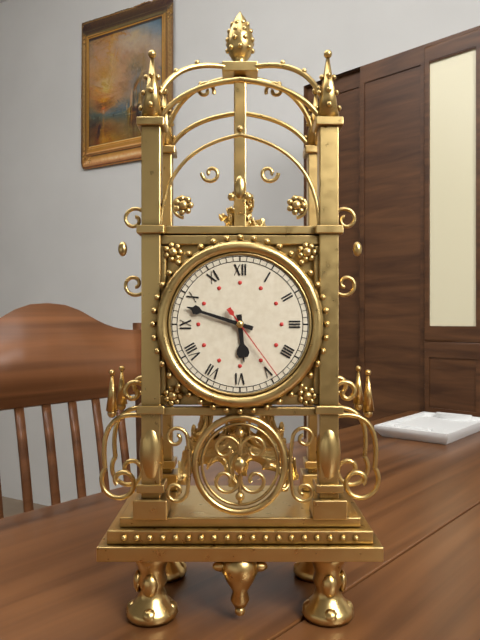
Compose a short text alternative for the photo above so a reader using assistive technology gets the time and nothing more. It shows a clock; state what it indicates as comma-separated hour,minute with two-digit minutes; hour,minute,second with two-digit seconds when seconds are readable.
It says 5,48,24
